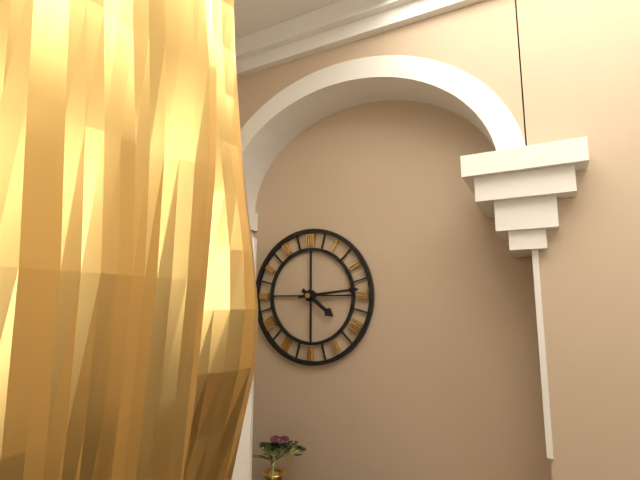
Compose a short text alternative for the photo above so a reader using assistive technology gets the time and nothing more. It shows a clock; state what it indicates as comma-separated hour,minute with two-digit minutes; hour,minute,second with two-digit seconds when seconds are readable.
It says 4,14
